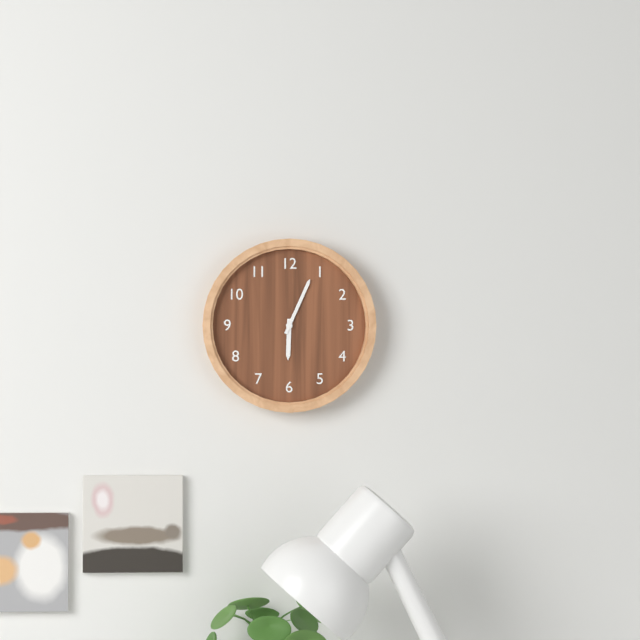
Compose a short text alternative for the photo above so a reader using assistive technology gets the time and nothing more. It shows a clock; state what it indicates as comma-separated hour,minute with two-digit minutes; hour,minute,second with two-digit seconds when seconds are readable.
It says 6,04
